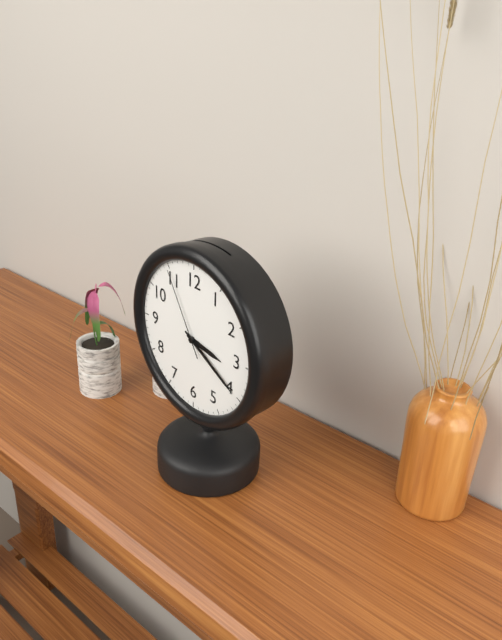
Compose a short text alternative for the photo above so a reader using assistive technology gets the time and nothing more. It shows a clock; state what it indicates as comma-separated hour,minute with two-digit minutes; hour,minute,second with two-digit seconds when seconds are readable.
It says 3,20,55
